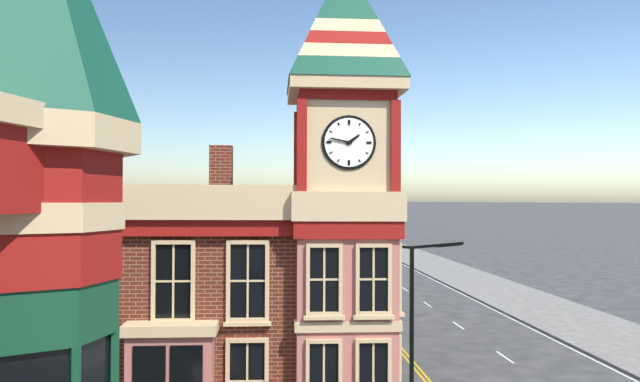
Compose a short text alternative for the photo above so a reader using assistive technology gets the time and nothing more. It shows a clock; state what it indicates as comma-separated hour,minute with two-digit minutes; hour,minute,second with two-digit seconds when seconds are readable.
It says 1,47
